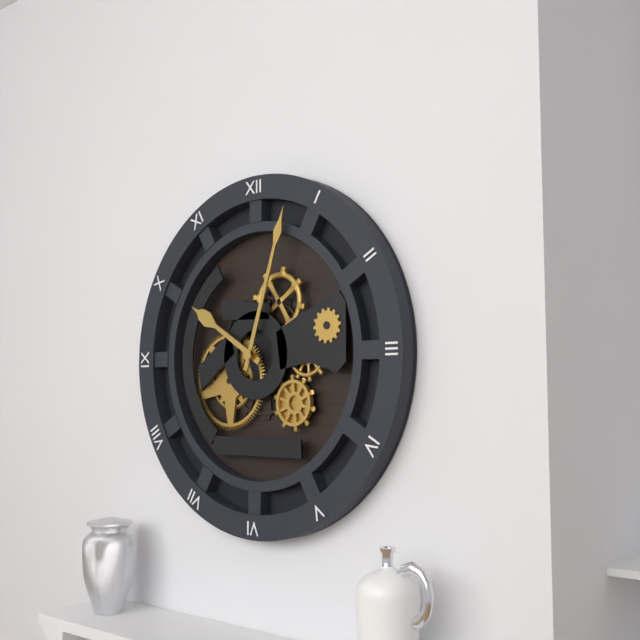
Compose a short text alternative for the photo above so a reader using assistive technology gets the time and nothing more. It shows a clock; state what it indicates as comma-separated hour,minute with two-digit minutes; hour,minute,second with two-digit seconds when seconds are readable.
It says 10,03
